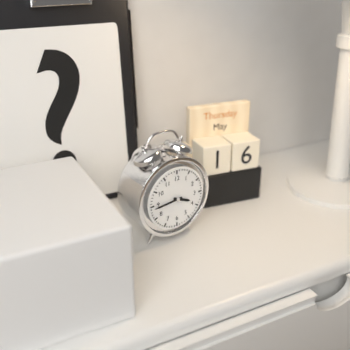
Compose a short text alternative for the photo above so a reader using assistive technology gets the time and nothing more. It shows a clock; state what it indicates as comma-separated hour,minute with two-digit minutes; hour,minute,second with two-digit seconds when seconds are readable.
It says 3,44
